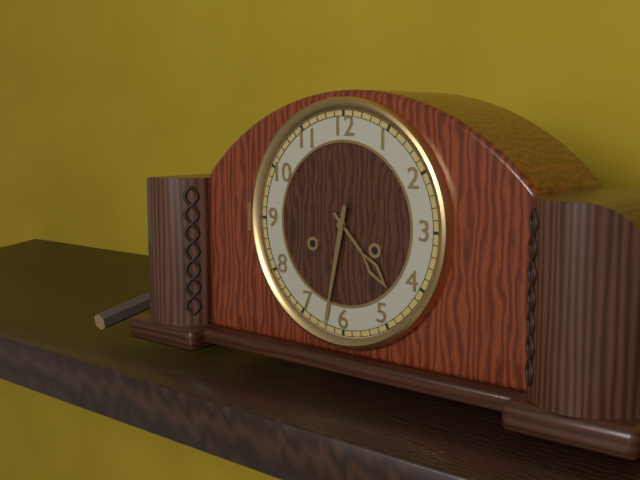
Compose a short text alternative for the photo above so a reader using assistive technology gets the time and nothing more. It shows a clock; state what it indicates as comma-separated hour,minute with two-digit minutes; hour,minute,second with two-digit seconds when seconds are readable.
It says 4,32
